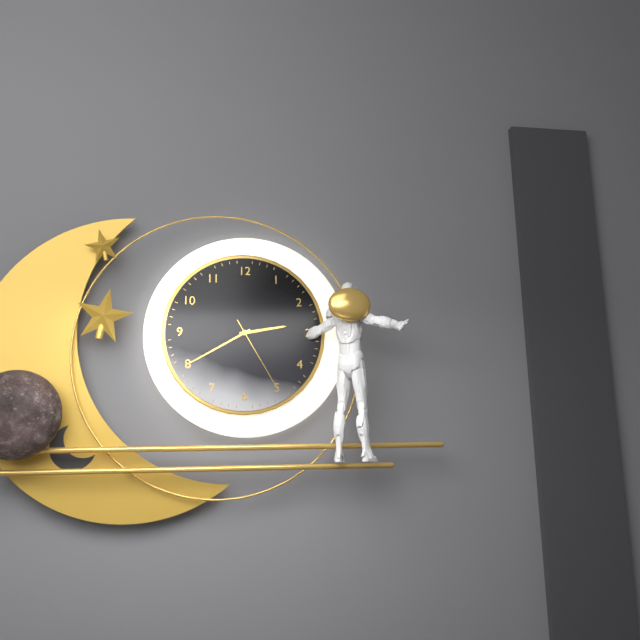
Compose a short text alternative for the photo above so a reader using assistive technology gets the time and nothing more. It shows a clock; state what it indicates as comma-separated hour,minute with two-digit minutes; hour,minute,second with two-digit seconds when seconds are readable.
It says 2,40,25
